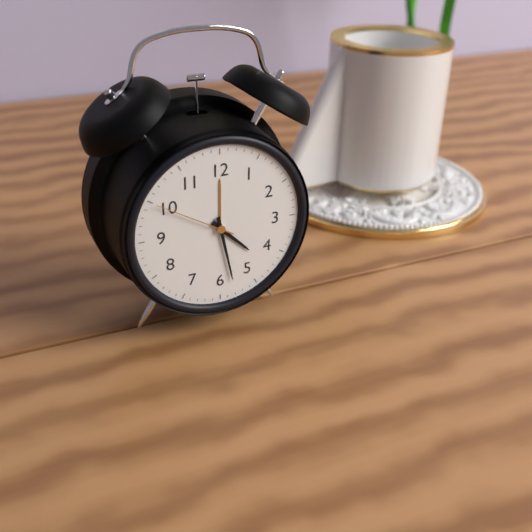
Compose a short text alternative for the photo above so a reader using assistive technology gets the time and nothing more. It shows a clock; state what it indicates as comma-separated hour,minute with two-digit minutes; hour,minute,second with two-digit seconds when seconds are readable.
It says 4,28,50
